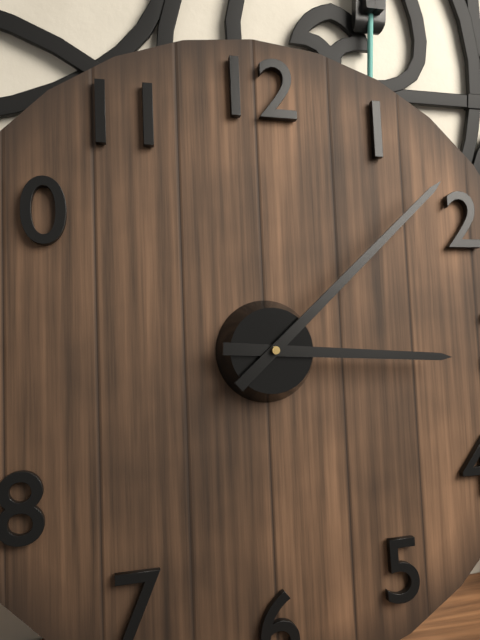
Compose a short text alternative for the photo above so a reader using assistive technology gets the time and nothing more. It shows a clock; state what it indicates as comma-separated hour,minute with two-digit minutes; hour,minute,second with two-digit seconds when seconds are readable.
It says 3,08
